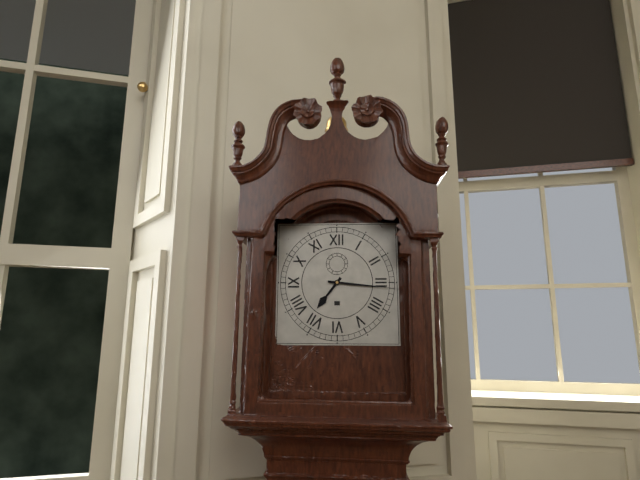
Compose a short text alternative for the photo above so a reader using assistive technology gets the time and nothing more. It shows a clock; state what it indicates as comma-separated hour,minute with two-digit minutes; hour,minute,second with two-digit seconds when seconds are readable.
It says 7,16
